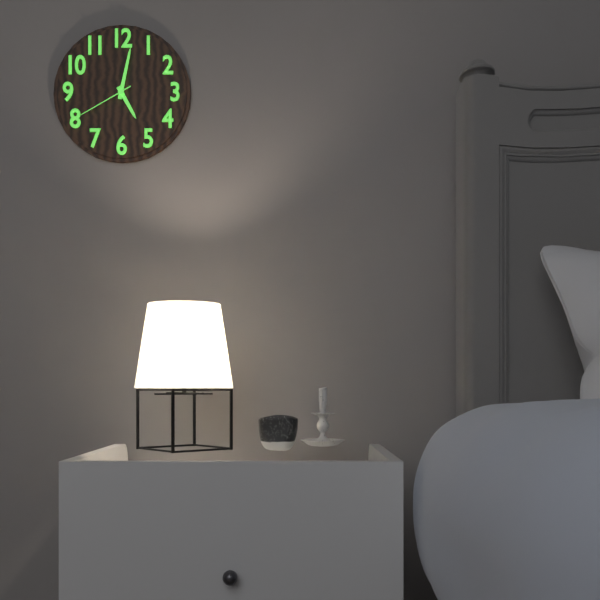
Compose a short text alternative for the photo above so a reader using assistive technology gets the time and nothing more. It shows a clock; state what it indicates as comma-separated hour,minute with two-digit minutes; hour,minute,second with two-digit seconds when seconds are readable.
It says 5,02,40
